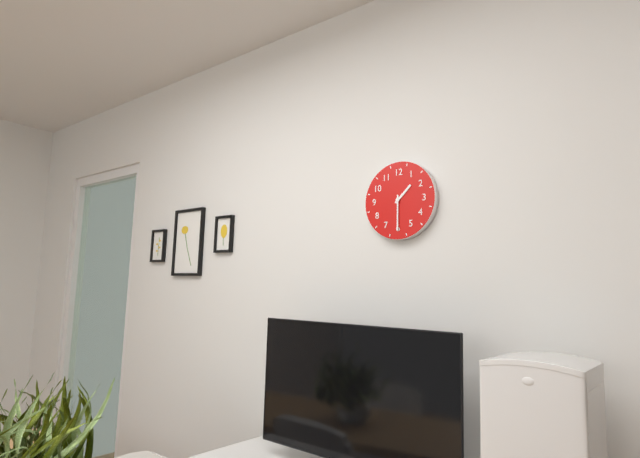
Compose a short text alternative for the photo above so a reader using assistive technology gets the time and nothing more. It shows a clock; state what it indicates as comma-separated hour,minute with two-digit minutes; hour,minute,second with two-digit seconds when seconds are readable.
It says 1,30
